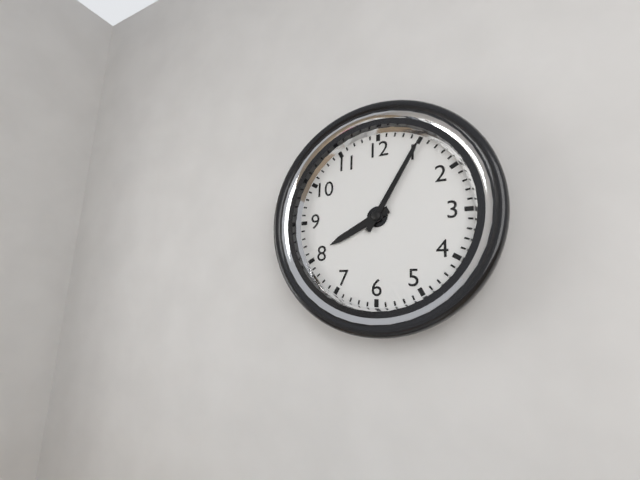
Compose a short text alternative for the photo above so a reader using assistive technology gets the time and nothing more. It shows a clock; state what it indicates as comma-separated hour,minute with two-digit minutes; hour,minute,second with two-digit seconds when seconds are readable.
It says 8,05
